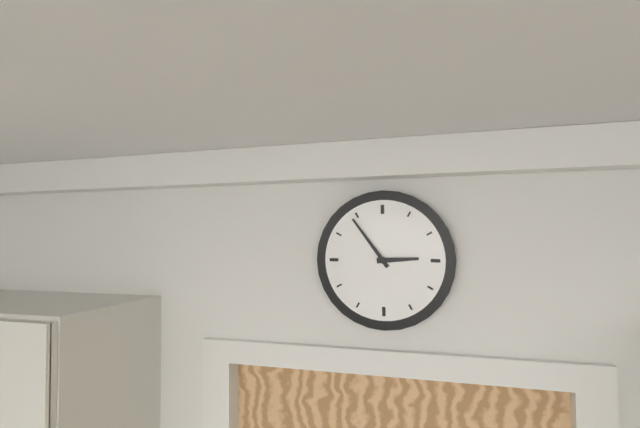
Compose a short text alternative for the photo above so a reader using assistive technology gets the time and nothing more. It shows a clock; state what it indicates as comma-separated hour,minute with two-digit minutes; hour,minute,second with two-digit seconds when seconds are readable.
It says 2,54
